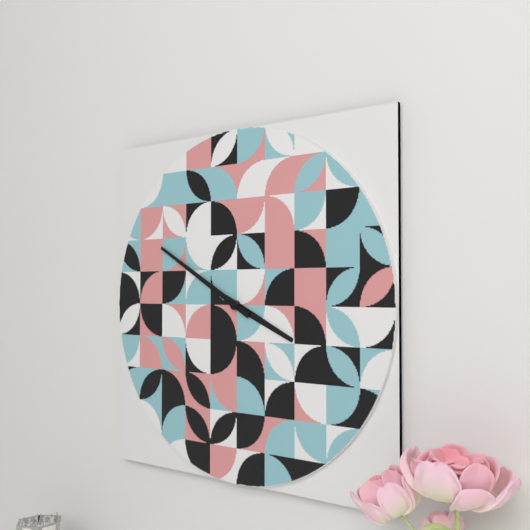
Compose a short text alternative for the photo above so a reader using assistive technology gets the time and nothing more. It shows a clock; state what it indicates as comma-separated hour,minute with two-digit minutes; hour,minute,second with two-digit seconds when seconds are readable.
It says 3,50
